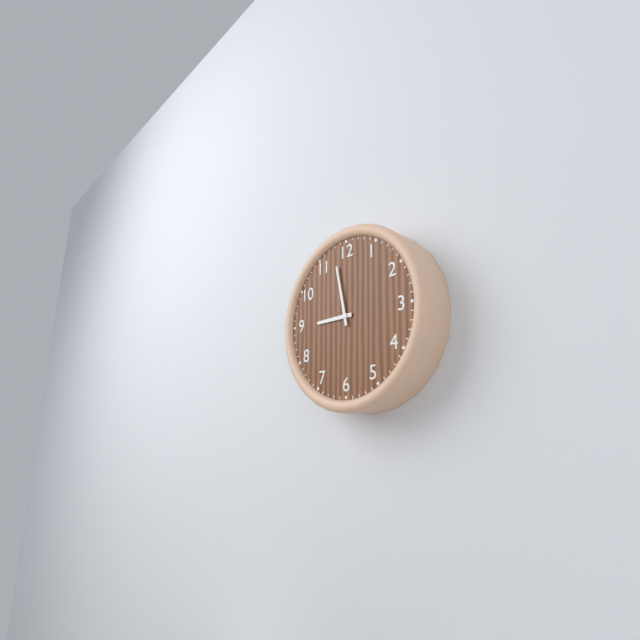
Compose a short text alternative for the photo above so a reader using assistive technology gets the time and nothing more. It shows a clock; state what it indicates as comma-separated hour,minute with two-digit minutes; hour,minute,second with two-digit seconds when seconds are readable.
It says 8,58
